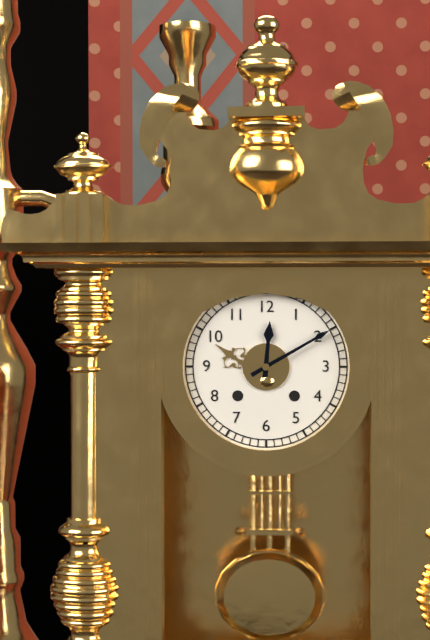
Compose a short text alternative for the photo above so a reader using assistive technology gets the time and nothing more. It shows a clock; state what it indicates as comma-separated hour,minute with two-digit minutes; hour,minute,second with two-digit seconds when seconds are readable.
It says 12,10
